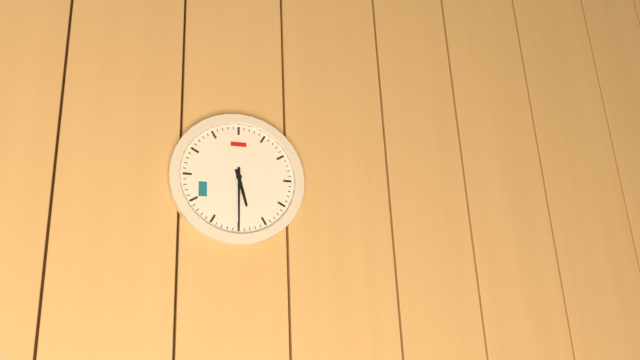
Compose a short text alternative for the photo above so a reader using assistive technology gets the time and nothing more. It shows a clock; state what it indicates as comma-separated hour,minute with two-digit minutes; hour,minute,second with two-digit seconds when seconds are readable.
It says 5,30
